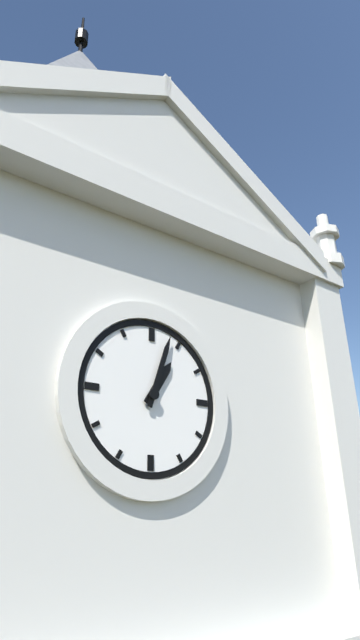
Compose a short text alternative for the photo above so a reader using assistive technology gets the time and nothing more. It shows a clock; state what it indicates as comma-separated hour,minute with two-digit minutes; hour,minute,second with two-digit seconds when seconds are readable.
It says 1,03
